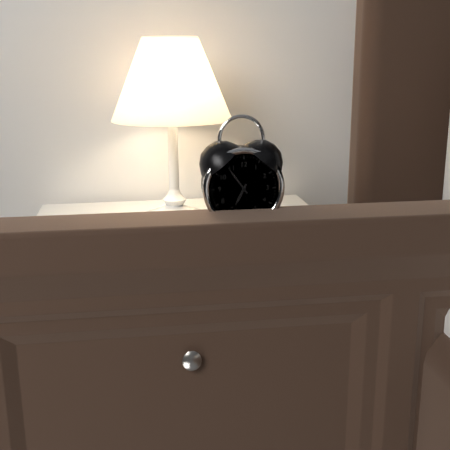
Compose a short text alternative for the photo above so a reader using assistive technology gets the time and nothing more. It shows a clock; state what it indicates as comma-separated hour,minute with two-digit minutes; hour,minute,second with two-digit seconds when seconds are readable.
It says 6,54
